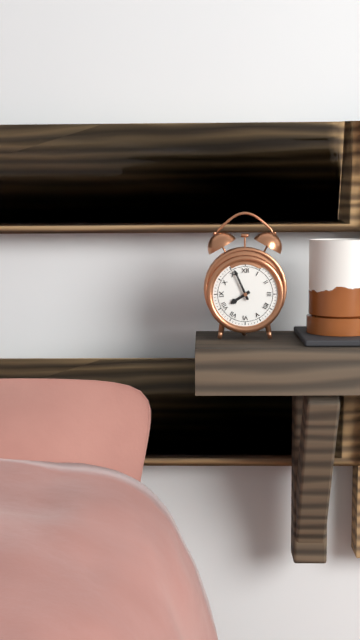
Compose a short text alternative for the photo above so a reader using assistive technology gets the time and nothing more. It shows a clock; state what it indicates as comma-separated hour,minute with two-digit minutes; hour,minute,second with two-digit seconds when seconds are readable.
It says 7,56
